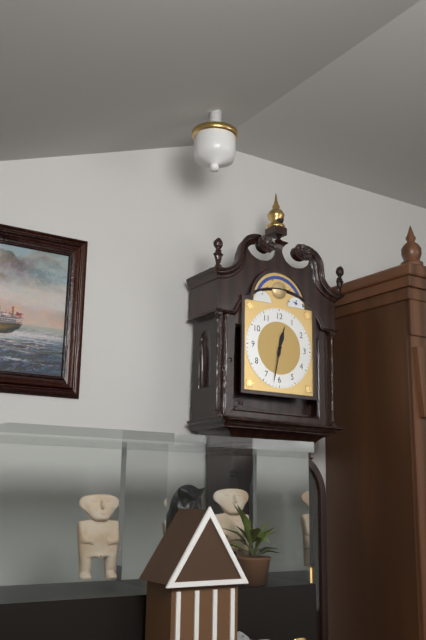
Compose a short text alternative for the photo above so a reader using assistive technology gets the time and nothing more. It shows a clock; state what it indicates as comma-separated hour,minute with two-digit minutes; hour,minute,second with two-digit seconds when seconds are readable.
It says 12,32
